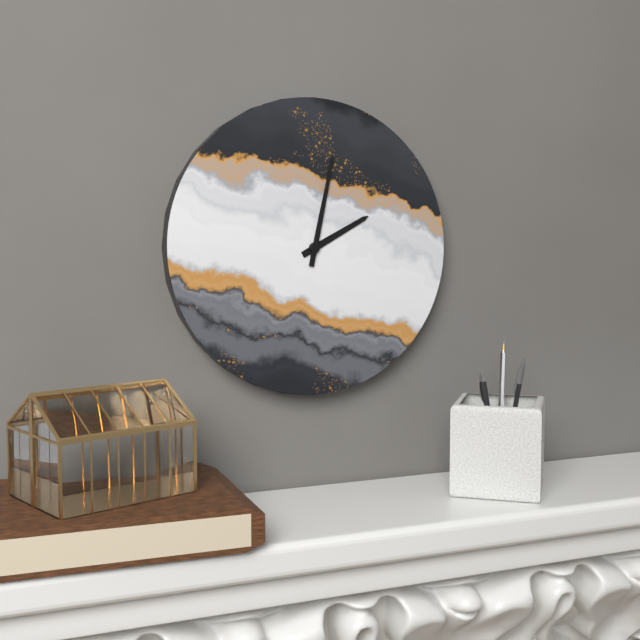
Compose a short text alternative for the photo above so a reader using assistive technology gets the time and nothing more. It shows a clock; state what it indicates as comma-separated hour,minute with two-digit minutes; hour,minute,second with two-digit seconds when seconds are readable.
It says 2,02
